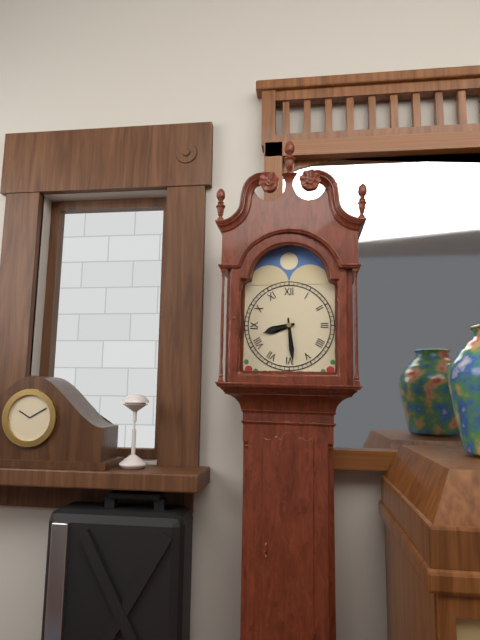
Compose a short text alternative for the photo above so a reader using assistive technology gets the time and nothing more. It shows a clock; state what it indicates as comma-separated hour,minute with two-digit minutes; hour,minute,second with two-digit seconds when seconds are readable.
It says 8,29
